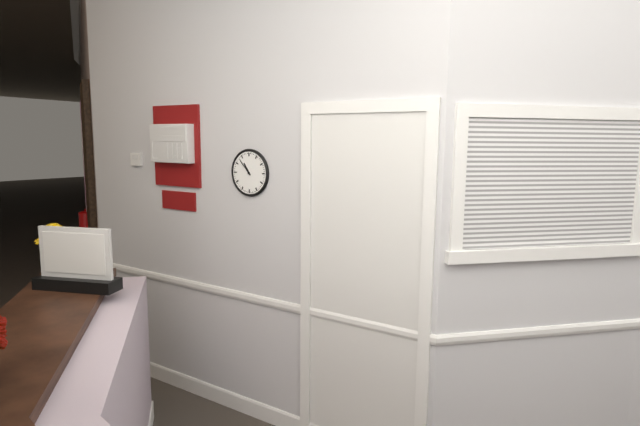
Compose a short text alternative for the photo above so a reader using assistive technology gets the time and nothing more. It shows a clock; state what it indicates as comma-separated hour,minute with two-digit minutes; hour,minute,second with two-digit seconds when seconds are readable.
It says 10,53
